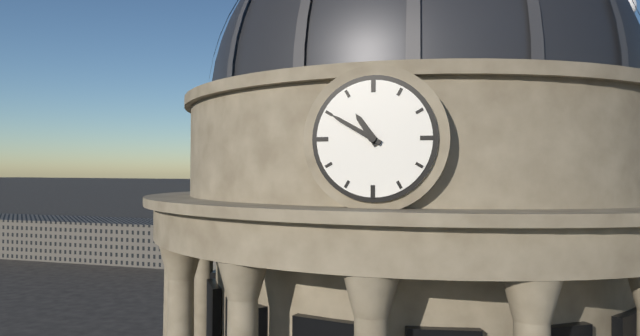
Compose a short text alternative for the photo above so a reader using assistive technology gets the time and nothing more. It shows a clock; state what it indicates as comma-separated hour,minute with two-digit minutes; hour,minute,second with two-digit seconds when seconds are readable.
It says 10,50
